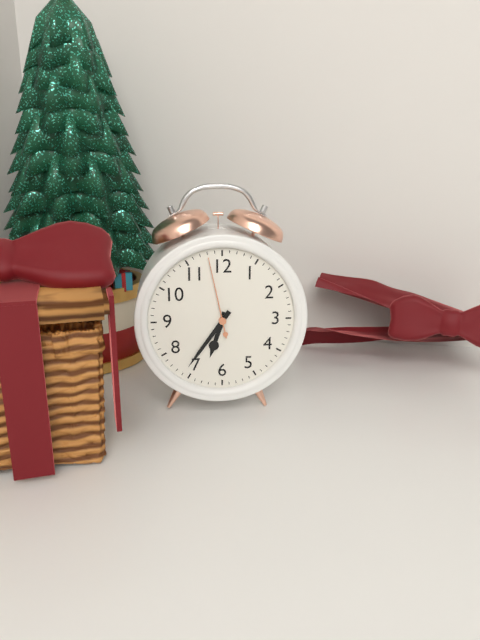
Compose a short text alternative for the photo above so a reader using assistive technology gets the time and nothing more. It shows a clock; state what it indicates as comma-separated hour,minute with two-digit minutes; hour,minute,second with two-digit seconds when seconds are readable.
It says 6,36,58
